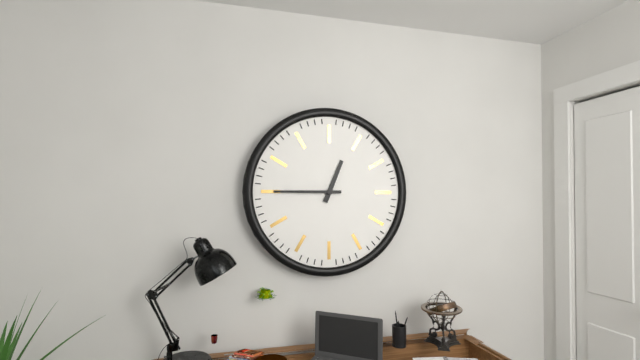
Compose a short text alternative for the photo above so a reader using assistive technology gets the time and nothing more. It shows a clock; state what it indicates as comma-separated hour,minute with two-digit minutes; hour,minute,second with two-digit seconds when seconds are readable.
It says 12,45
